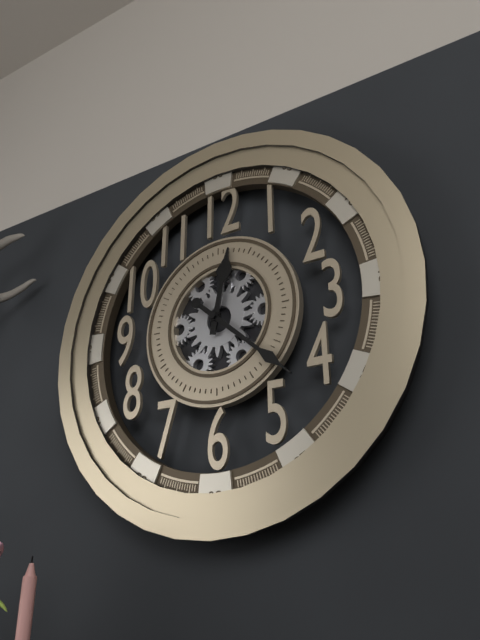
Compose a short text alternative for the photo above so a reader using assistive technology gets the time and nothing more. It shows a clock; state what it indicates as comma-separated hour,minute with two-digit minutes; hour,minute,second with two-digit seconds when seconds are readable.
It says 12,22
